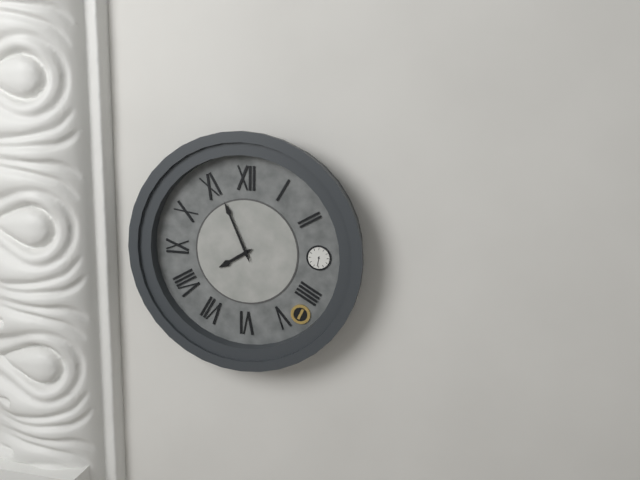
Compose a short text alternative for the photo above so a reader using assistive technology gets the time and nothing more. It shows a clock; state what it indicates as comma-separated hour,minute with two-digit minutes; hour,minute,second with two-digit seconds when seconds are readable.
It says 7,56
